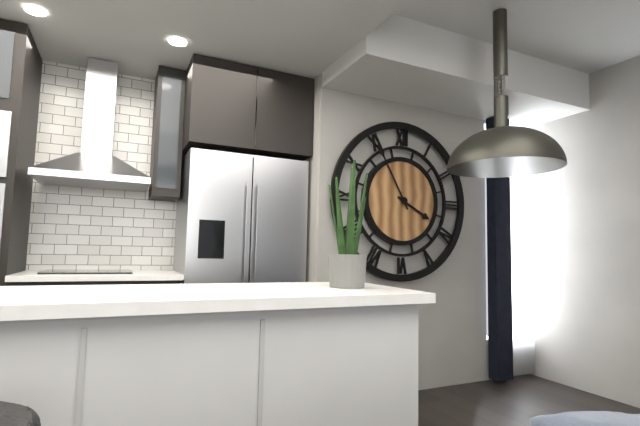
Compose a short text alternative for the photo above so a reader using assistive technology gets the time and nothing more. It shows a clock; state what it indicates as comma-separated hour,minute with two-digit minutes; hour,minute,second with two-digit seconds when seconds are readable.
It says 3,55
